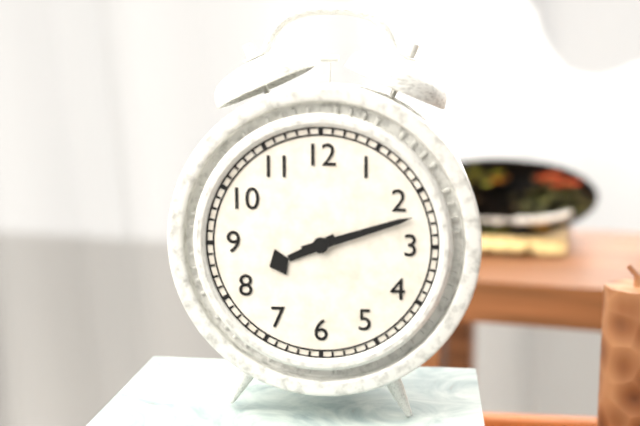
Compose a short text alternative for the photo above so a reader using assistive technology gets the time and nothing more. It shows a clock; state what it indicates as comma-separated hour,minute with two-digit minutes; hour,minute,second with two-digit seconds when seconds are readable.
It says 8,12
